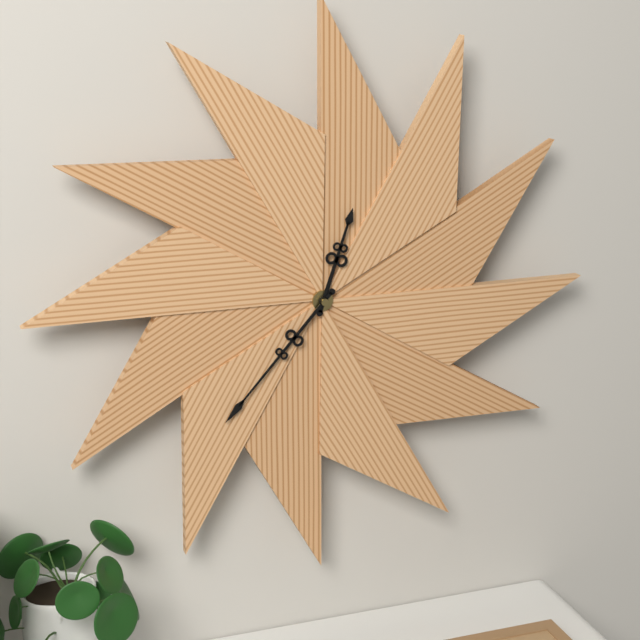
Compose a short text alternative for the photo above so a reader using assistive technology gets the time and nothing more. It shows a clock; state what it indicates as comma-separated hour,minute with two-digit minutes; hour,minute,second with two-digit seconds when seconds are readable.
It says 12,37
